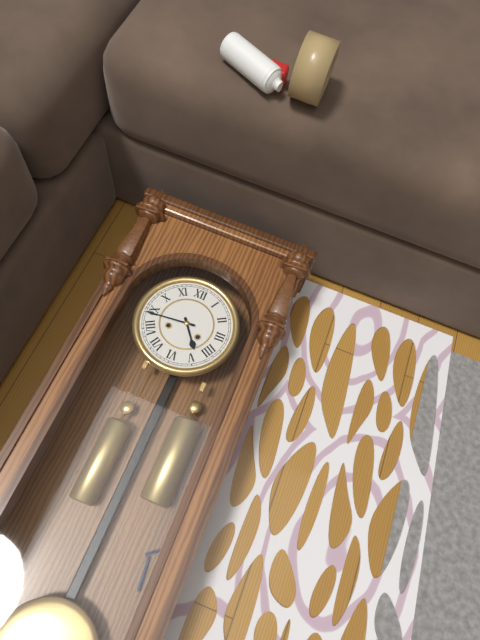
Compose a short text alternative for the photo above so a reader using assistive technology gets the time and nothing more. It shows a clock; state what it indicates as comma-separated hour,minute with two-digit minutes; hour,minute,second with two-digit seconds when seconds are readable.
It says 4,44
